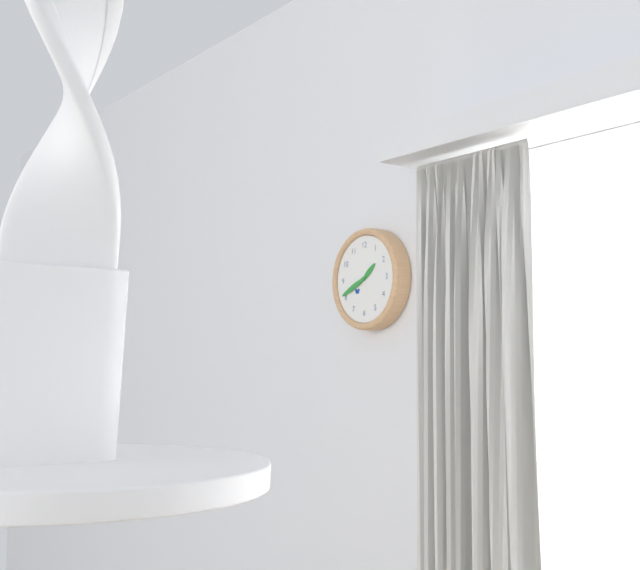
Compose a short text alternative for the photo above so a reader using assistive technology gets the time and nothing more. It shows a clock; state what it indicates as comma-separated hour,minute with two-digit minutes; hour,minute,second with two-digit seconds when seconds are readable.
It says 1,41
